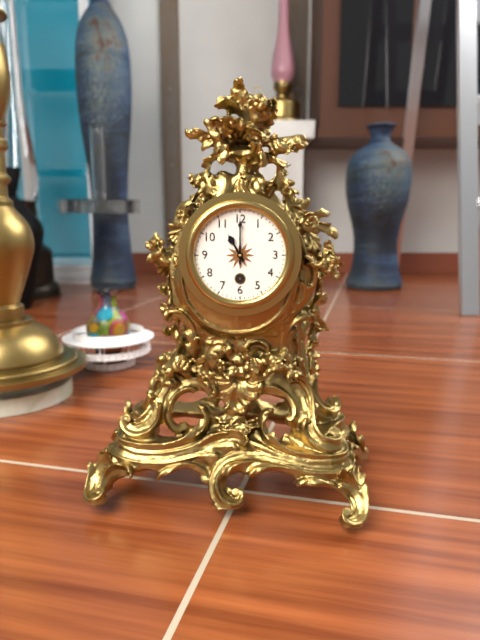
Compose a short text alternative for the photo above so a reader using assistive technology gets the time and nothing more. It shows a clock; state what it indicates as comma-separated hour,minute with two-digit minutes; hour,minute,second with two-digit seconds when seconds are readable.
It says 11,00
